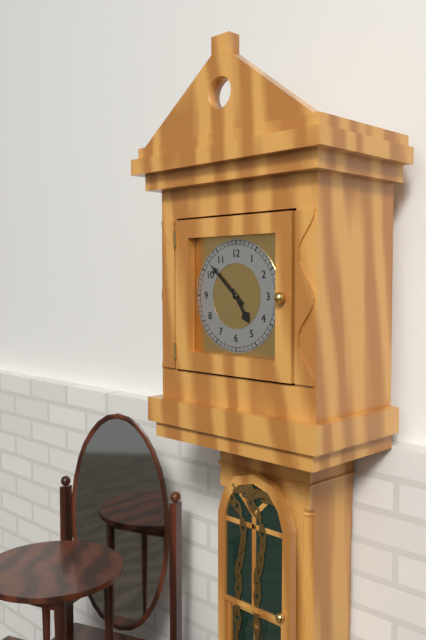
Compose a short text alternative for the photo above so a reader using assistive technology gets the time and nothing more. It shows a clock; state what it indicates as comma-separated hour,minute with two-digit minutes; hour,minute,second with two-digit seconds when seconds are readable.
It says 4,52
